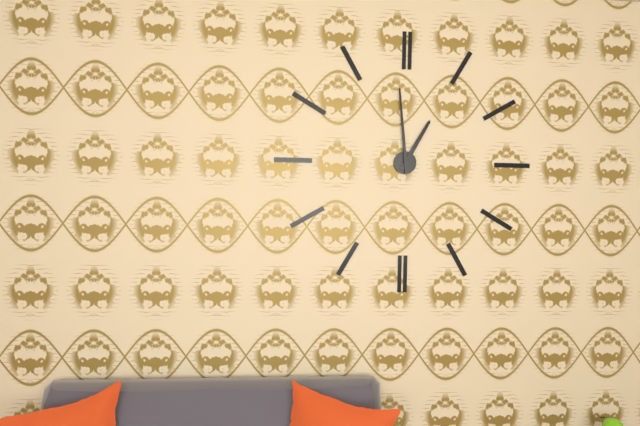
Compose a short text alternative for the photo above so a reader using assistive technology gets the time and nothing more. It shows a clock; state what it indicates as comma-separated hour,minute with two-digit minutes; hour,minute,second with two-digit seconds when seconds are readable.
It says 12,59
